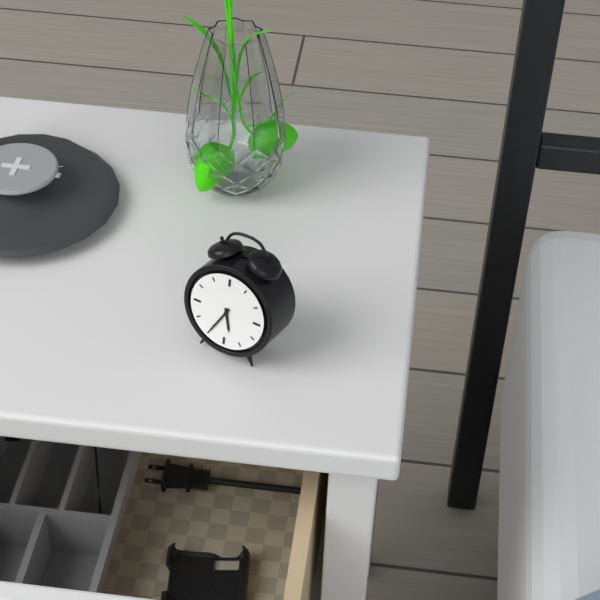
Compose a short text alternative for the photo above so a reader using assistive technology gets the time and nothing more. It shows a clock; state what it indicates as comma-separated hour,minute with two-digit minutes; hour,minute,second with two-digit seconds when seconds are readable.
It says 5,35
